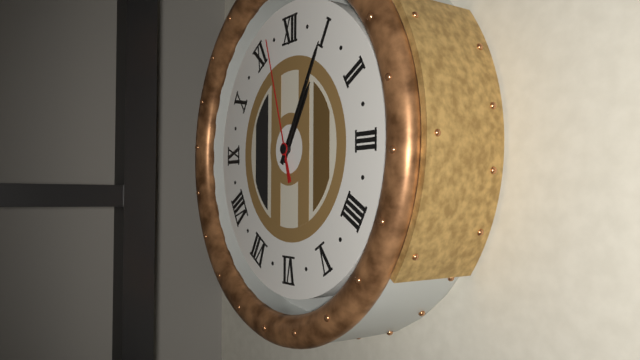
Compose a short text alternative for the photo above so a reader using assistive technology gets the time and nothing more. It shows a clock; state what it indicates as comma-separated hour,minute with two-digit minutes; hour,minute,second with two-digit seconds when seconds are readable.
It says 1,05,57
